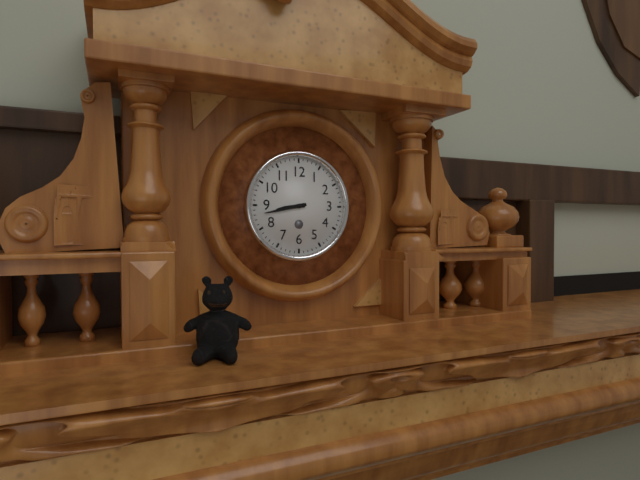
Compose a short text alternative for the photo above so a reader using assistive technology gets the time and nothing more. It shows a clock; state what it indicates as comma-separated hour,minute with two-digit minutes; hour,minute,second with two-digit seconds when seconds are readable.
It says 8,43
